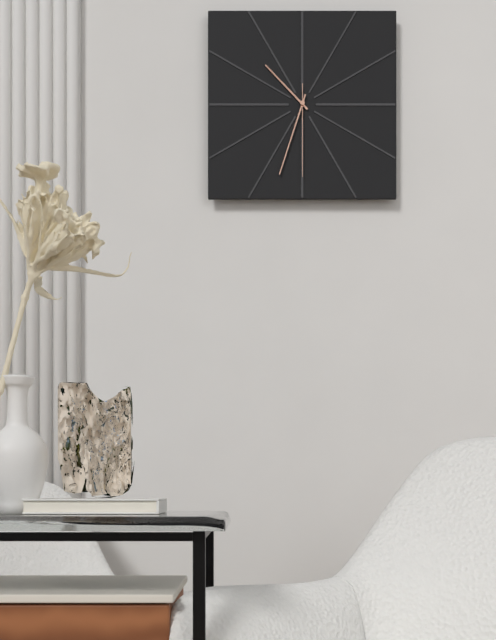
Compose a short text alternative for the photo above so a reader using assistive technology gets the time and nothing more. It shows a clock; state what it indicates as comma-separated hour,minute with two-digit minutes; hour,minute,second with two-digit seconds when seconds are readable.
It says 10,33,30
